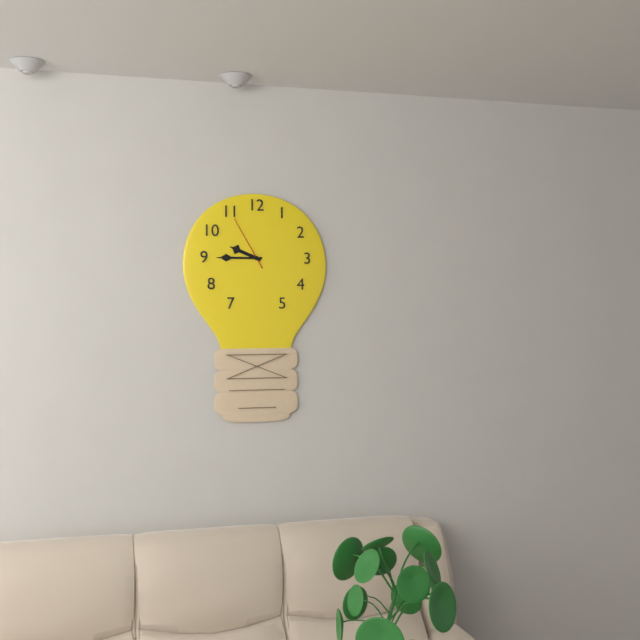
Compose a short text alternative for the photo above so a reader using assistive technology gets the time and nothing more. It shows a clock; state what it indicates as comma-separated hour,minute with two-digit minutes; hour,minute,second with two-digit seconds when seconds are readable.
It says 9,45,55
